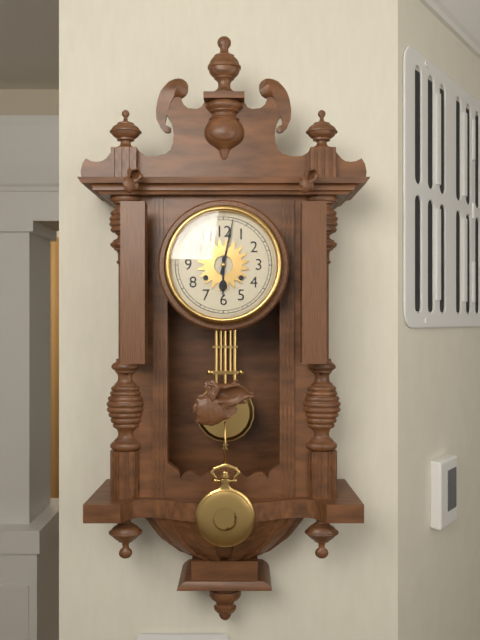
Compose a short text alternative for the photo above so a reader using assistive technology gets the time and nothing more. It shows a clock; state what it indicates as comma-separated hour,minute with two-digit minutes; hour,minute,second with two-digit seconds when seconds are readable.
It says 6,02
